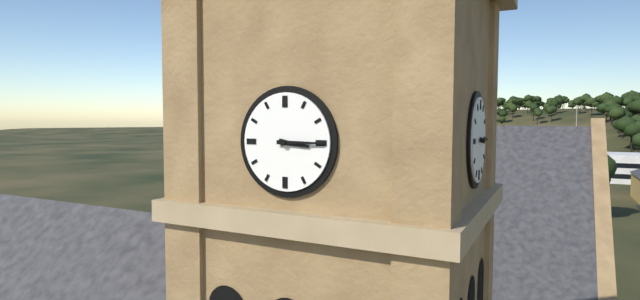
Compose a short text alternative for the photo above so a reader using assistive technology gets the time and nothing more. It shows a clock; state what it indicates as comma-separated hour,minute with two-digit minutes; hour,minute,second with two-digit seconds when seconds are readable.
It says 3,15
